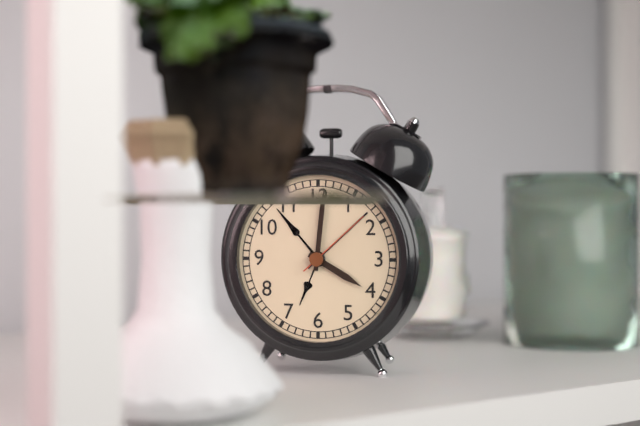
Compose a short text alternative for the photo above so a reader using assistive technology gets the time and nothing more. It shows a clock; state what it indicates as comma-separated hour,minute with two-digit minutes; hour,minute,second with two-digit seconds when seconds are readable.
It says 4,01,08
